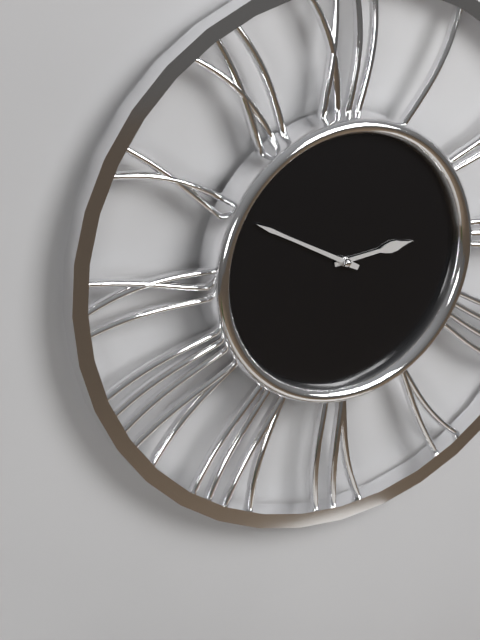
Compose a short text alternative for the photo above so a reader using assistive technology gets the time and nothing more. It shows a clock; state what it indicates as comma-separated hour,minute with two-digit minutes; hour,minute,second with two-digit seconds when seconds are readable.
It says 2,50
